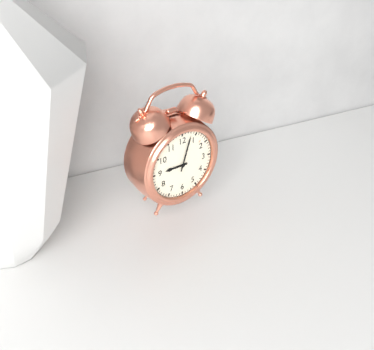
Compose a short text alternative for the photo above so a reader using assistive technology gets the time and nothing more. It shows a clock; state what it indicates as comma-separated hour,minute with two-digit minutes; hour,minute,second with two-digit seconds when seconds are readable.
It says 9,03
